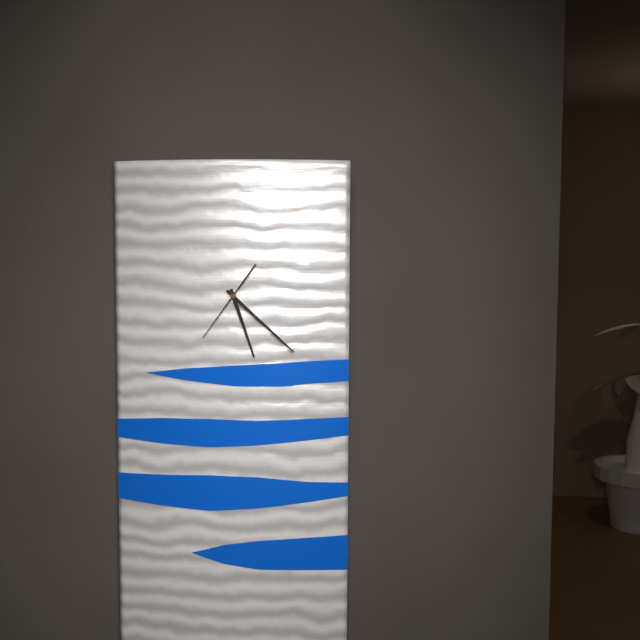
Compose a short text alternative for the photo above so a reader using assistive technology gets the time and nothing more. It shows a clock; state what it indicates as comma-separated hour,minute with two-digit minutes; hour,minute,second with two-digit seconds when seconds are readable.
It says 5,22,36
